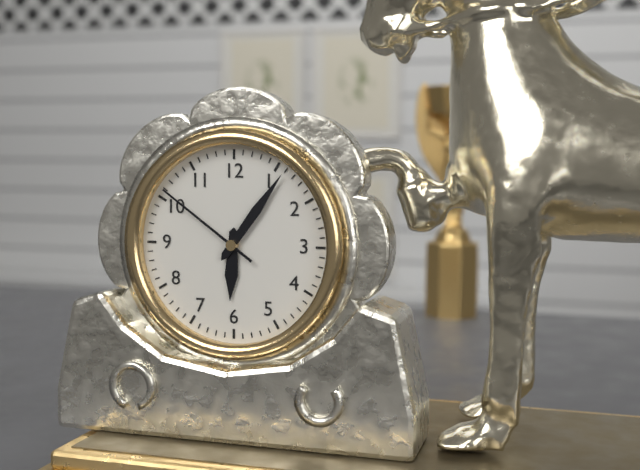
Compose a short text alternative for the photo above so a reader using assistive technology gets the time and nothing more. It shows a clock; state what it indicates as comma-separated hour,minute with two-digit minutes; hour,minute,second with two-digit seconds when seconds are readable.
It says 6,06,51
